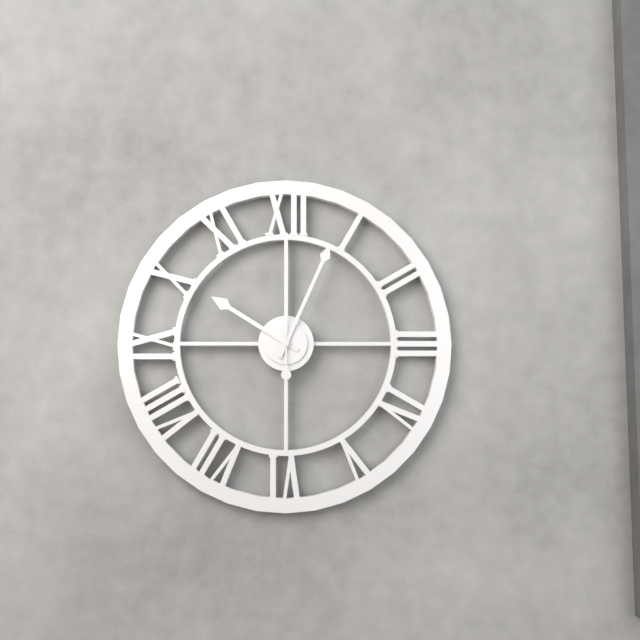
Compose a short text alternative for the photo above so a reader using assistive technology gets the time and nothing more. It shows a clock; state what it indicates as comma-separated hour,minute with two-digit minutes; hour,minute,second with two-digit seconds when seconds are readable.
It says 10,04,00
